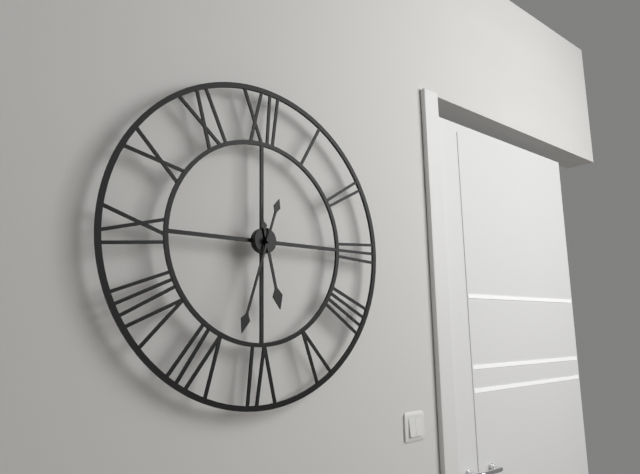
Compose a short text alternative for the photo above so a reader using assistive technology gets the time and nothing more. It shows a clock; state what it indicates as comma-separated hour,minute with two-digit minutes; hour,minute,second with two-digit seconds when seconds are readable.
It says 5,33
